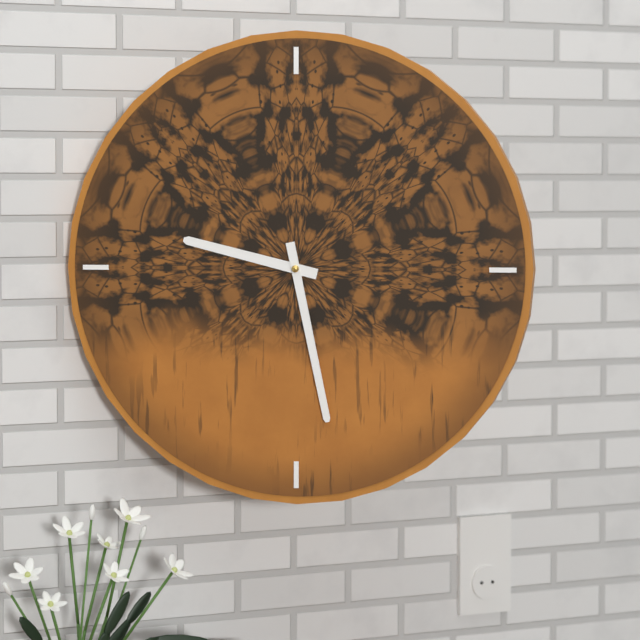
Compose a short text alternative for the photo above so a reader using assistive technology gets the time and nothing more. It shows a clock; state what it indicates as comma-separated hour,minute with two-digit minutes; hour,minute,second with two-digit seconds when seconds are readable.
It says 9,28
